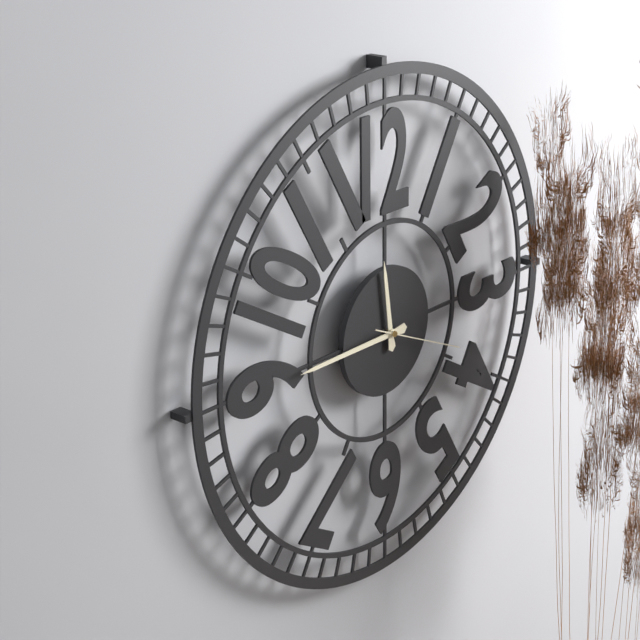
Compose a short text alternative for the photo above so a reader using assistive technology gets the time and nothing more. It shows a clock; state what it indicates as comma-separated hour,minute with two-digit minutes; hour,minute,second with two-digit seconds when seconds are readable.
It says 11,45,19
